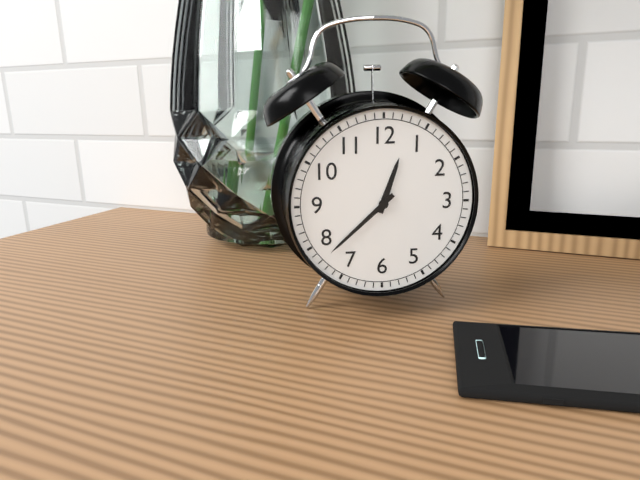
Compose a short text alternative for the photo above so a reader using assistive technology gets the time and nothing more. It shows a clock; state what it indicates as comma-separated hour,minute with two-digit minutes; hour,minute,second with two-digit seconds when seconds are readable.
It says 12,38
